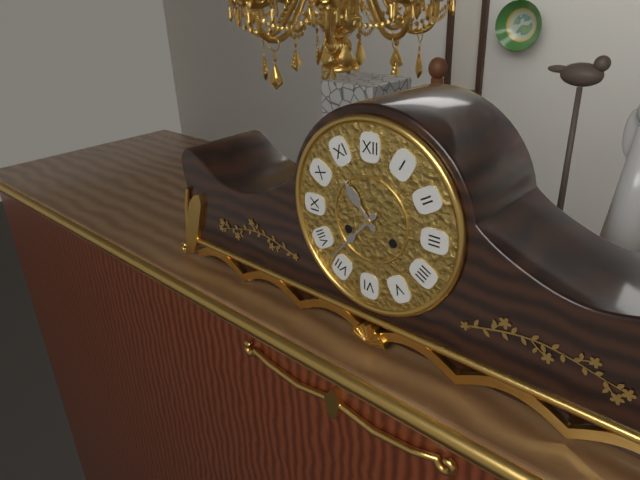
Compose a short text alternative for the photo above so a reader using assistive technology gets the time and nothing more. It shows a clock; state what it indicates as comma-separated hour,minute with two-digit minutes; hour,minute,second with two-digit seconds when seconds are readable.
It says 10,37
